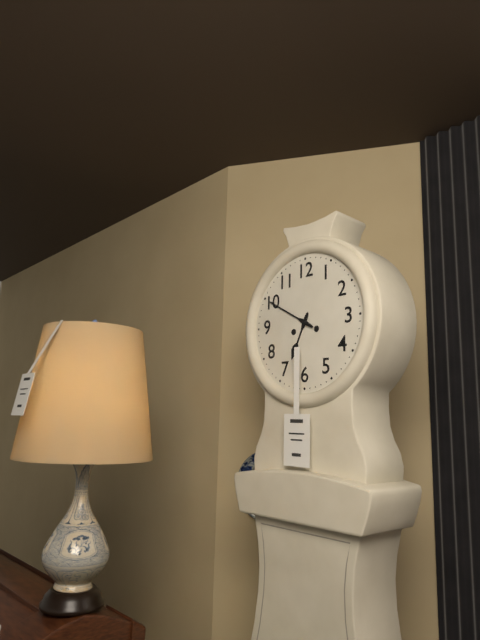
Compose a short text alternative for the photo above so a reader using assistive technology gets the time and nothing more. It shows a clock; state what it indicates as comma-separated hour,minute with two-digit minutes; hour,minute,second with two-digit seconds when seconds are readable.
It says 6,50
